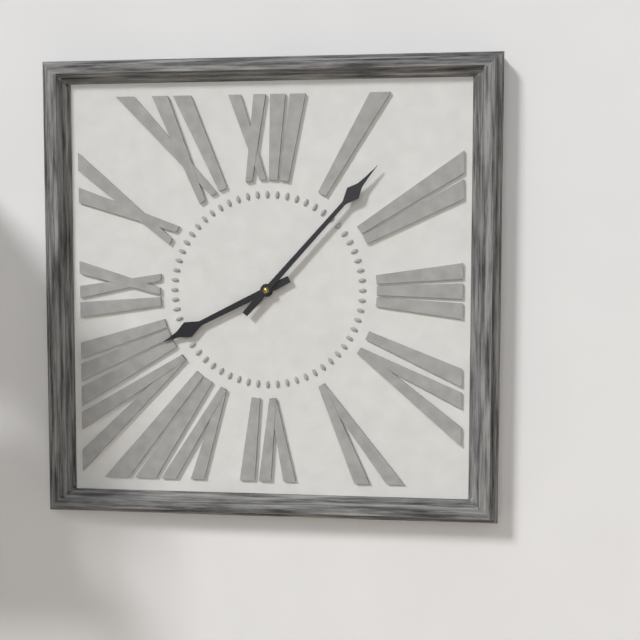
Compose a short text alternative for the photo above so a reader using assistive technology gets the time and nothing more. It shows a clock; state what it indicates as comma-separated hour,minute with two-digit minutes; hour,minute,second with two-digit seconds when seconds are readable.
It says 8,07
